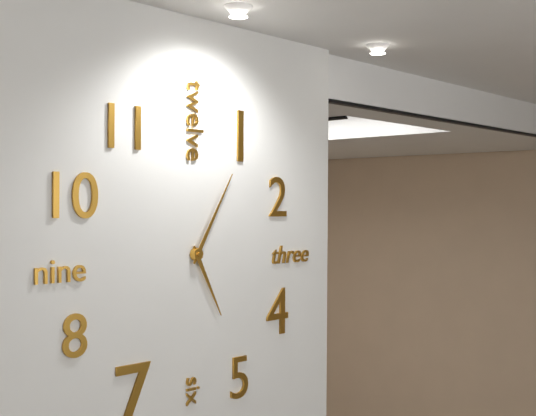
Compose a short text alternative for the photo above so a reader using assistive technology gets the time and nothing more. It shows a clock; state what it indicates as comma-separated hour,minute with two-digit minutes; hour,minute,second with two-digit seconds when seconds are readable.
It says 5,05
